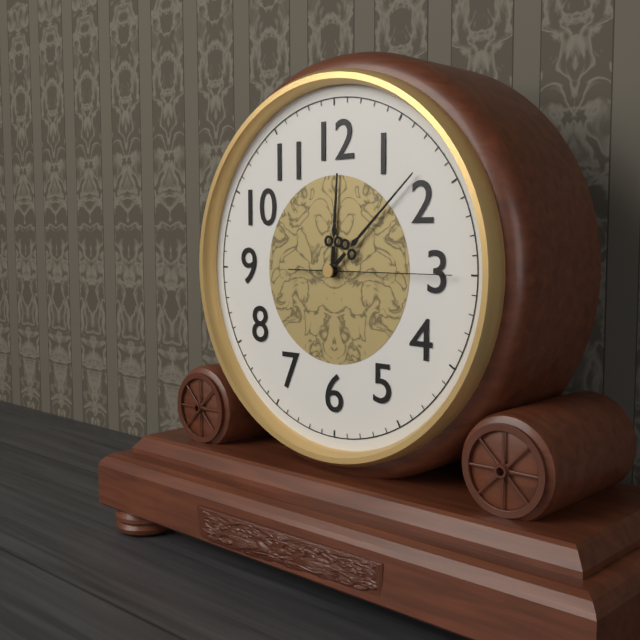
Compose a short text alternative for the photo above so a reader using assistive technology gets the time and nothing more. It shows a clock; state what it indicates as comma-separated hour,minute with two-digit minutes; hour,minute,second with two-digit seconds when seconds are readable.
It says 12,08,15
